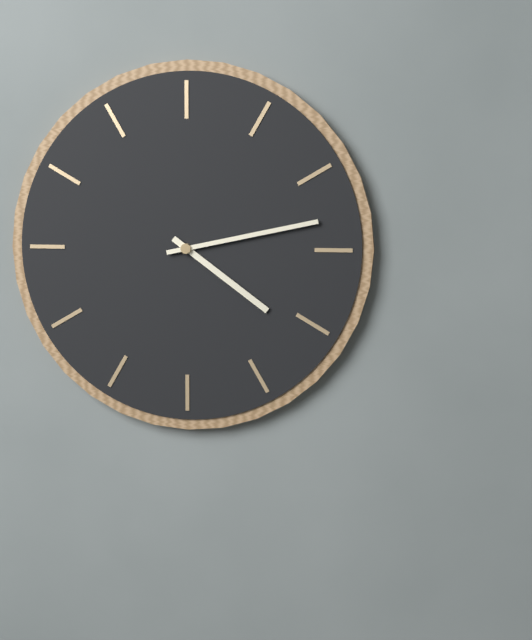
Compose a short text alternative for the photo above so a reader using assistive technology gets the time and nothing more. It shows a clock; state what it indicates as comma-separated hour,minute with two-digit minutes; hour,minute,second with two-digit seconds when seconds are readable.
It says 4,13
